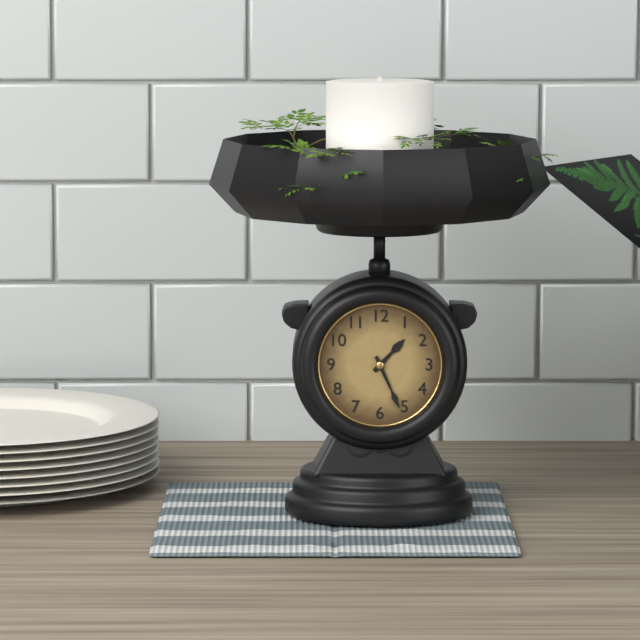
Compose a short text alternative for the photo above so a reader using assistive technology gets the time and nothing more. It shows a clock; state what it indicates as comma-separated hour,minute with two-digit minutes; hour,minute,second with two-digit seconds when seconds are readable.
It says 1,26
